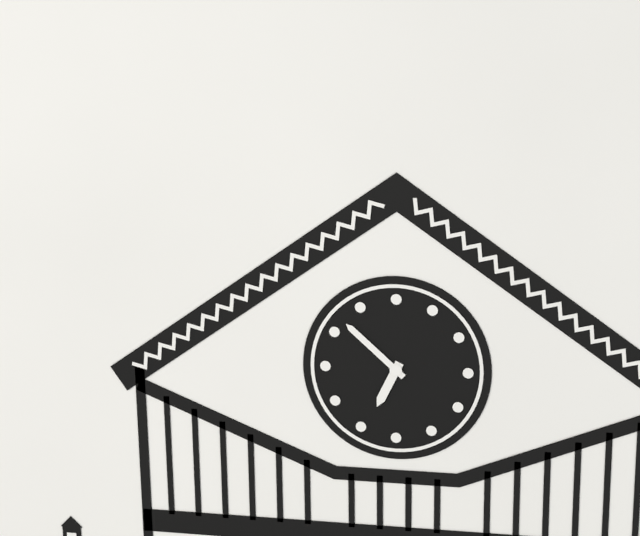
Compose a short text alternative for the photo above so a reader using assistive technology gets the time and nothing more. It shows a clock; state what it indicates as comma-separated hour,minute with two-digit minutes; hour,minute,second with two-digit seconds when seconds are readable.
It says 6,52
